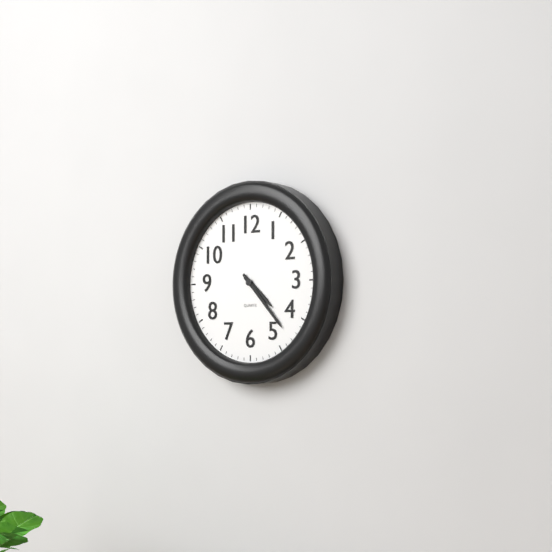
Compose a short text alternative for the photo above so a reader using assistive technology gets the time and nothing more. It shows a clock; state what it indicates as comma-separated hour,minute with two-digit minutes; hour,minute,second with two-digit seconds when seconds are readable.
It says 4,23
